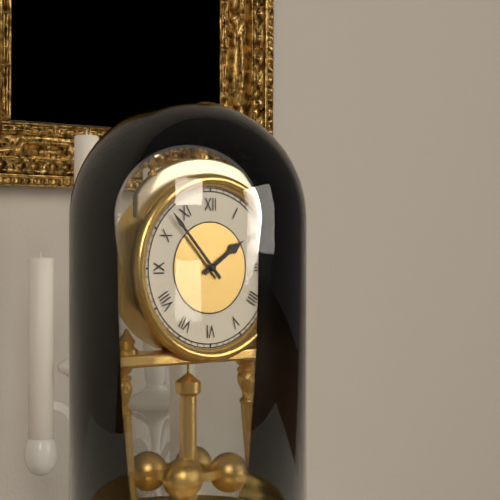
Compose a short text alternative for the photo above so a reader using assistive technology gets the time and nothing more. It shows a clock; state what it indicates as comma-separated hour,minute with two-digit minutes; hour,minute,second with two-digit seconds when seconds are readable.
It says 1,53
